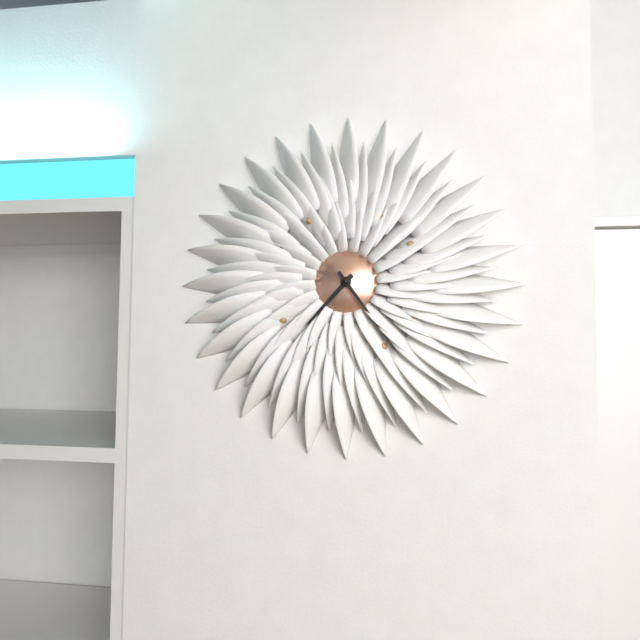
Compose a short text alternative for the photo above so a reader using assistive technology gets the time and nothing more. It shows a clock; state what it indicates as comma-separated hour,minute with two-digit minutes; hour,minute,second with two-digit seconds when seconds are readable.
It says 7,24
